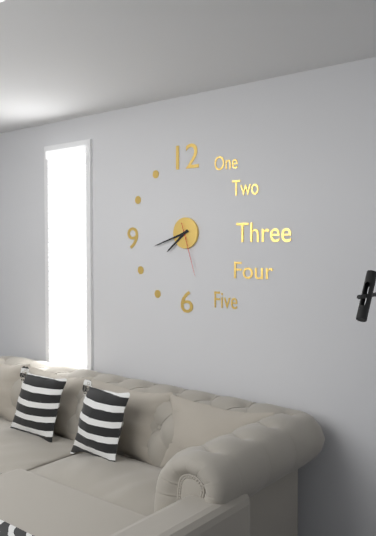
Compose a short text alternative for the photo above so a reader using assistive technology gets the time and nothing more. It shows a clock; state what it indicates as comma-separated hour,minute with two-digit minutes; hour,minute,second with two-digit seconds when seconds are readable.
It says 7,42,27
